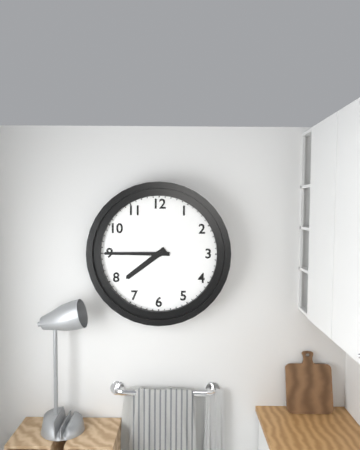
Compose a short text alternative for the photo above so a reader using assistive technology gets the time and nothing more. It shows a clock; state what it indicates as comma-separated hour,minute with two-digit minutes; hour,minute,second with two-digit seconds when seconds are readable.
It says 7,45
